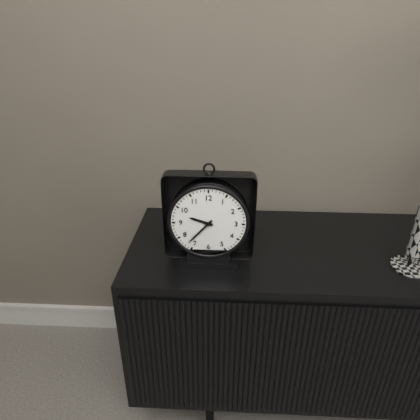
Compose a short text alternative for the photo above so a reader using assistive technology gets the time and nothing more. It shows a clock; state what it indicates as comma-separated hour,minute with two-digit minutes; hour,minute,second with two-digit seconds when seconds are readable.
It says 9,37
